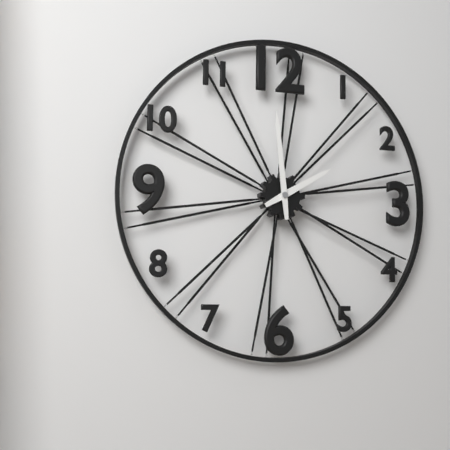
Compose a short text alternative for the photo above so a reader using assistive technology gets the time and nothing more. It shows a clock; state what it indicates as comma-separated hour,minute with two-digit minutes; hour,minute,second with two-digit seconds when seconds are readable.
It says 1,59
